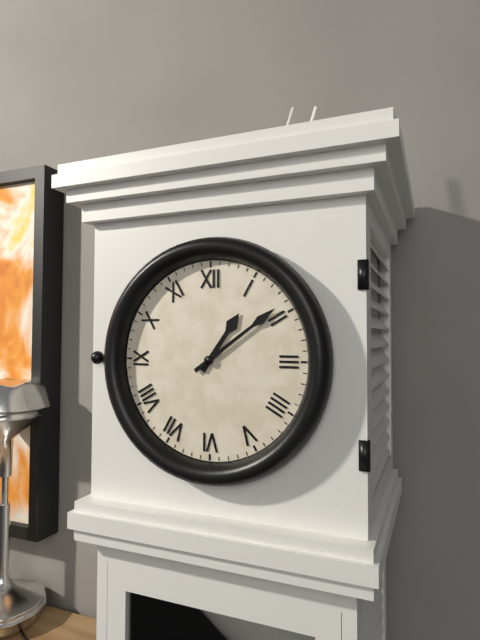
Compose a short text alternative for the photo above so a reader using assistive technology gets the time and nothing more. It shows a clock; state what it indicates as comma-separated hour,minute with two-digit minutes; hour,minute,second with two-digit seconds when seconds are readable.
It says 1,09
